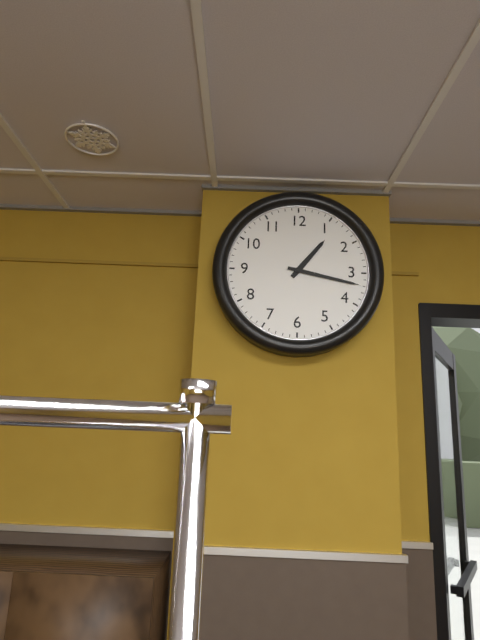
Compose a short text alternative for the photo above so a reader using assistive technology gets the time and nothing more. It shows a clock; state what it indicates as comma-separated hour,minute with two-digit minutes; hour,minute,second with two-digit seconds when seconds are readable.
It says 1,17
